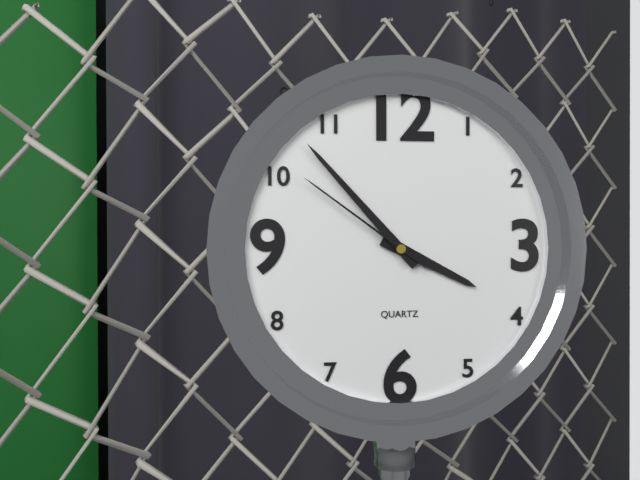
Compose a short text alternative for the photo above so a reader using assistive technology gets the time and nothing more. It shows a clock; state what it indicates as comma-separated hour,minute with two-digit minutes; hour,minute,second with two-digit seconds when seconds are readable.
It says 3,53,51
